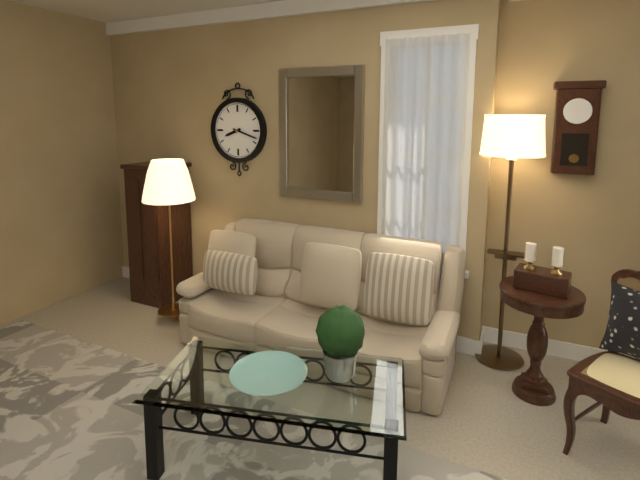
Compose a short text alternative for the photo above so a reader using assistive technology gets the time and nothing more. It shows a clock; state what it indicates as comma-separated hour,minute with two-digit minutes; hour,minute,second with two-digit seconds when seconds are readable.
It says 8,18
